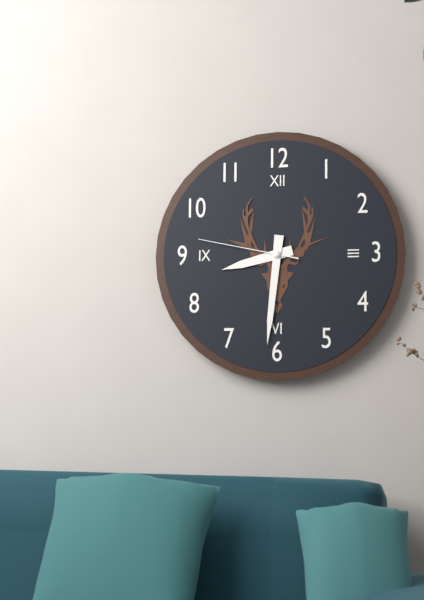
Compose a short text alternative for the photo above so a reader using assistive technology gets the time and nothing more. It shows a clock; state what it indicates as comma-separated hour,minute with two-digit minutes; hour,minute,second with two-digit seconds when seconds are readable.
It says 8,31,47
